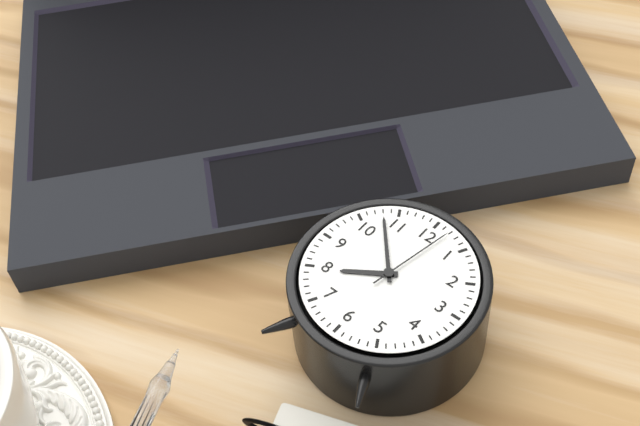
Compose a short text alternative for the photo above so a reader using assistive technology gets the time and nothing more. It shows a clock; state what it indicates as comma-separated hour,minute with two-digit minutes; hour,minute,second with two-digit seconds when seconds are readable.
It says 7,53,02
